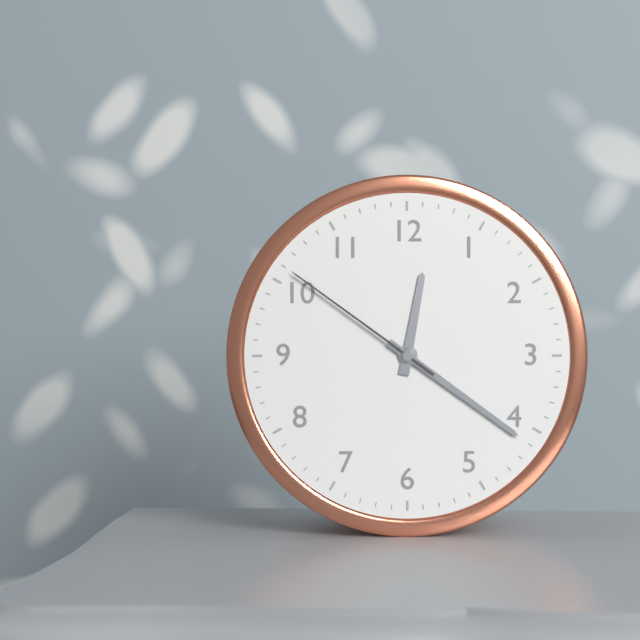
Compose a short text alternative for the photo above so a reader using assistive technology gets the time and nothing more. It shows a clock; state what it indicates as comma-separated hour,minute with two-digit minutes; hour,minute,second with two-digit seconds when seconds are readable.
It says 12,21,51
